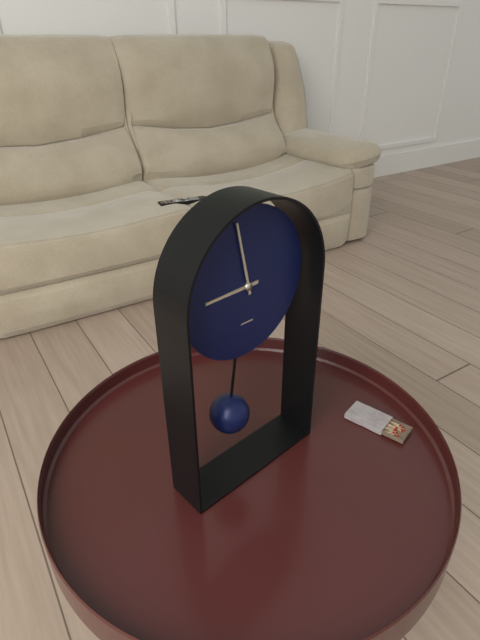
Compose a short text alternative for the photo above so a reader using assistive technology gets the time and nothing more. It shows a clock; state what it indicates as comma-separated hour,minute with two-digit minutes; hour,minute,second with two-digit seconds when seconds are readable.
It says 8,58
